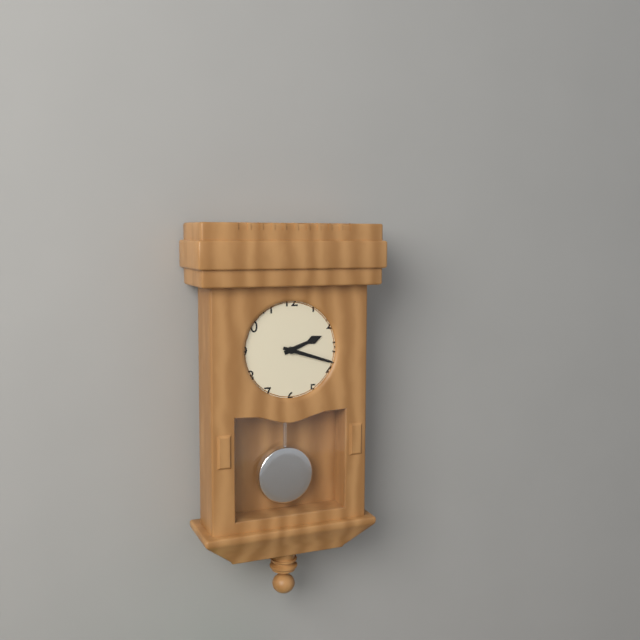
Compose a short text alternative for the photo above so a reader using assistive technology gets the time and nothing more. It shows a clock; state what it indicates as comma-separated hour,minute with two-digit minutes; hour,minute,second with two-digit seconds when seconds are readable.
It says 2,18
